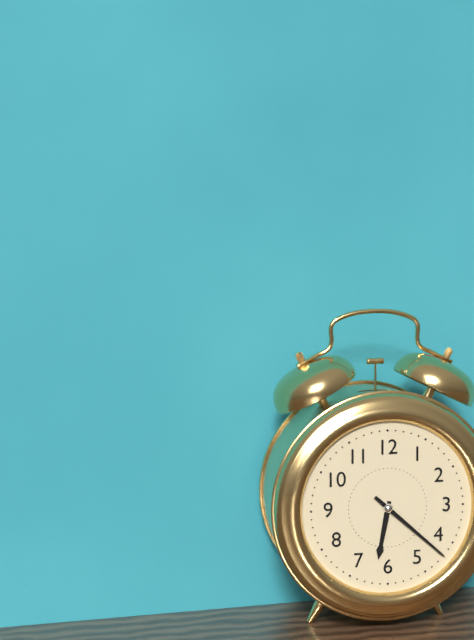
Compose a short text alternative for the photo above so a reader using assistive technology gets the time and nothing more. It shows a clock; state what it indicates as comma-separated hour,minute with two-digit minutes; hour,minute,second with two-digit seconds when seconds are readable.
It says 6,22
